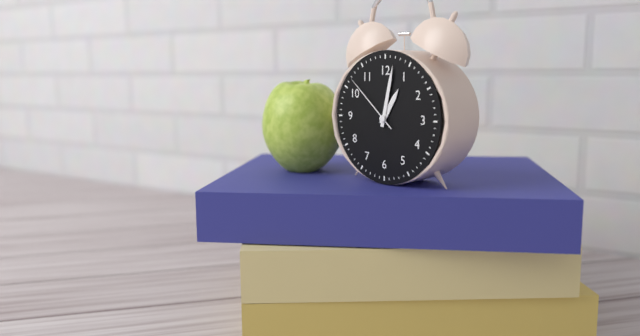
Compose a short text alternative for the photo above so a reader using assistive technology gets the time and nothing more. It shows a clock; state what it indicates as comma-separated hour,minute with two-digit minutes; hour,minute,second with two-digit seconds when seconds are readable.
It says 1,02,52
